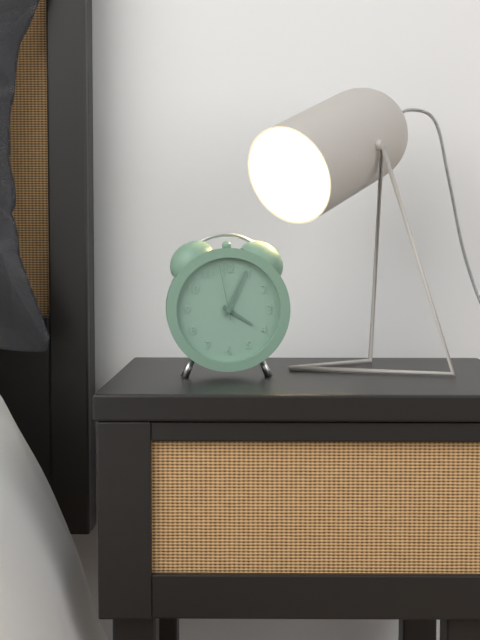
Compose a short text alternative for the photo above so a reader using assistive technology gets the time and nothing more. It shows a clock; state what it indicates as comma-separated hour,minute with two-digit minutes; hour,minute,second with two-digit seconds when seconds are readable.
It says 4,04,58
